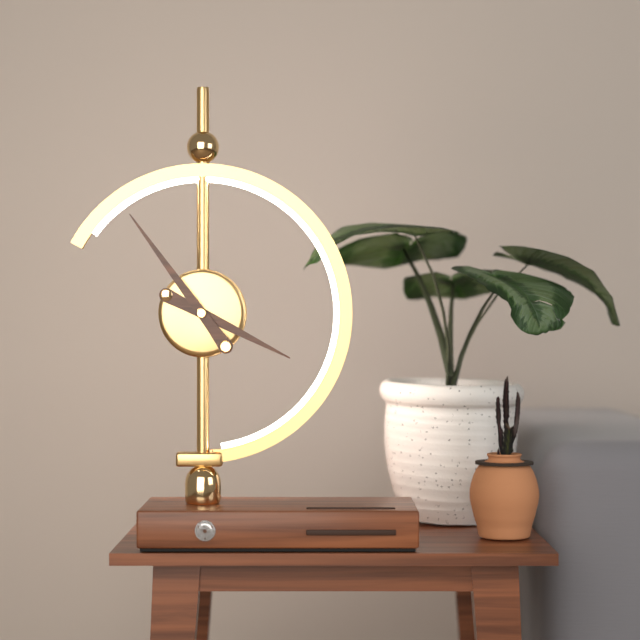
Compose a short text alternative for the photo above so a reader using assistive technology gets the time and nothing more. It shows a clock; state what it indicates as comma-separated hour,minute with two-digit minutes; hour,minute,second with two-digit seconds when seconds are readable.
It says 3,54
